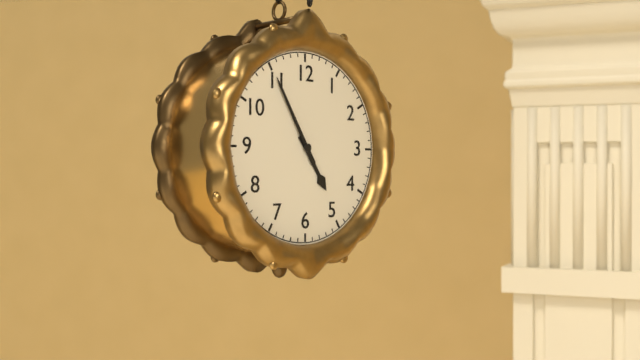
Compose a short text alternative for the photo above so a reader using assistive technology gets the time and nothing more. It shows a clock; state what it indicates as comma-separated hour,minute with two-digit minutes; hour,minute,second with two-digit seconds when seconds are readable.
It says 4,55
